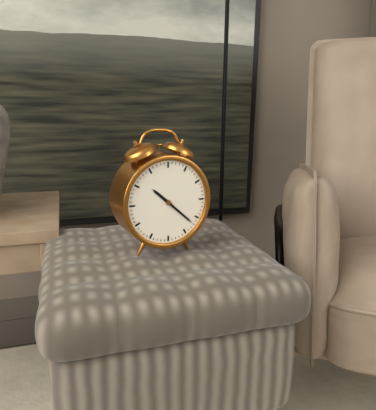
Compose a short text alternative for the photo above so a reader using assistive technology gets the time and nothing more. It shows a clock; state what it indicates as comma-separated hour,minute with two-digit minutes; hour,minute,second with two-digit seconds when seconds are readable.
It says 10,22
